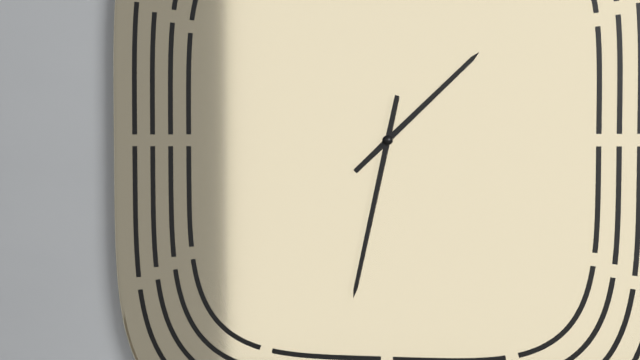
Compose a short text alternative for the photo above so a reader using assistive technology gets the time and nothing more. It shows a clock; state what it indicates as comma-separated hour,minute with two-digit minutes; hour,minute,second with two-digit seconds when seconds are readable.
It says 1,32
